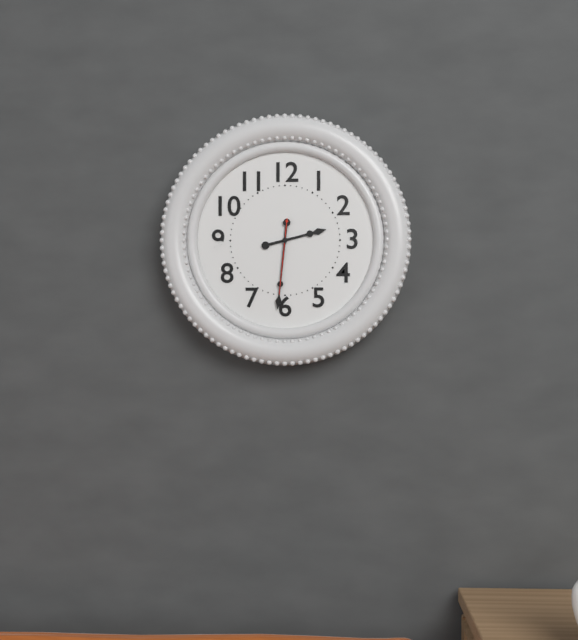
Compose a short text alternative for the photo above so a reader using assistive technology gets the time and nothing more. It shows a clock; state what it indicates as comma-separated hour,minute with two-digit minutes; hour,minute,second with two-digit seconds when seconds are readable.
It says 2,31,31
